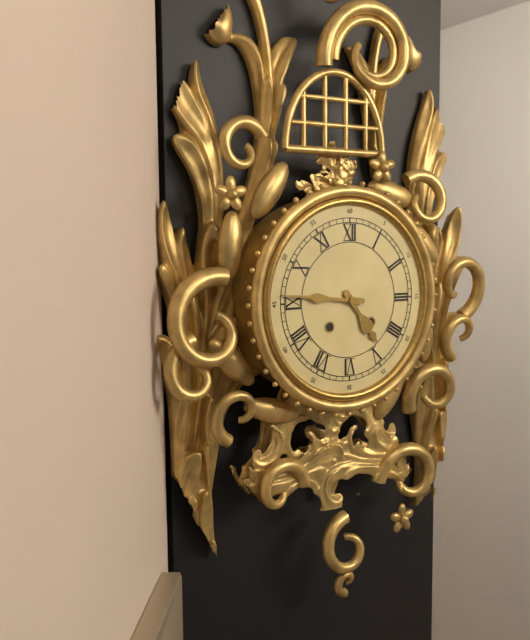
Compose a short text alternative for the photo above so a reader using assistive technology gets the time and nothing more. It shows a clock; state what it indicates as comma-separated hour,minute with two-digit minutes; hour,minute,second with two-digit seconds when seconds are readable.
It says 4,46
